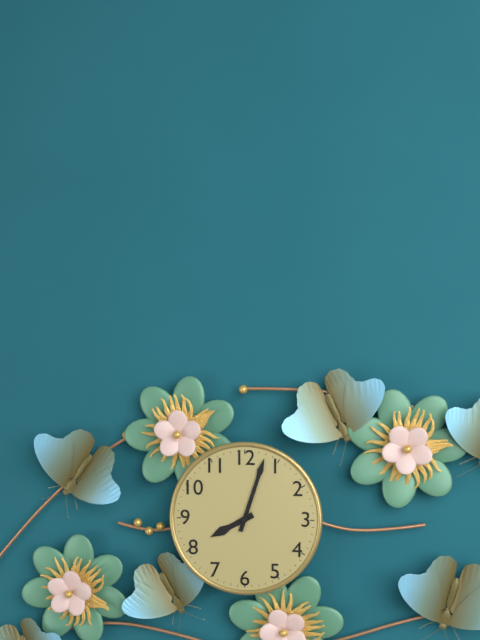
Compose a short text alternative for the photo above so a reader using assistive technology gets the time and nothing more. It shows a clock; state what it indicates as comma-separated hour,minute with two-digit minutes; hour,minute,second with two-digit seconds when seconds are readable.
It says 8,03
